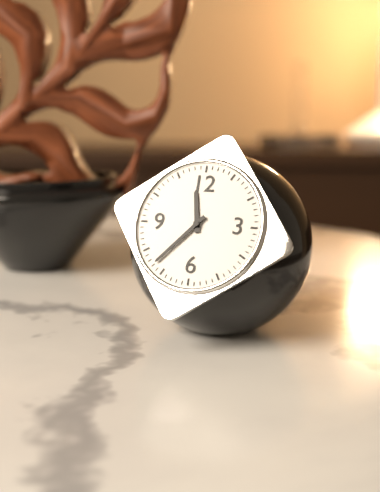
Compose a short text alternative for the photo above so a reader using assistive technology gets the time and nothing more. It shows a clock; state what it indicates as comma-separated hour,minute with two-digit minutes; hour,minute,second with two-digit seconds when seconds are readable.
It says 11,37
